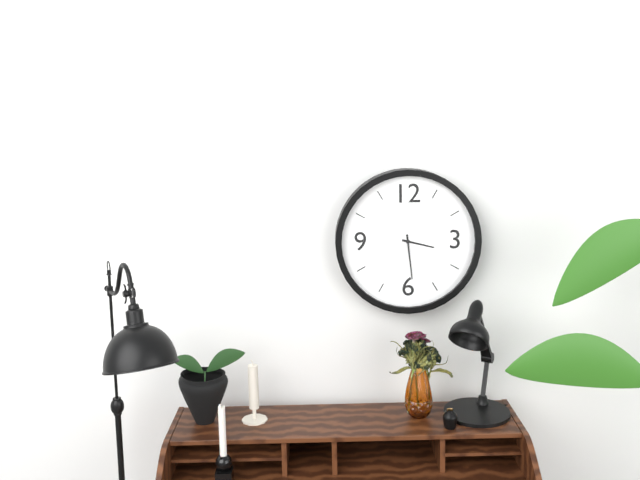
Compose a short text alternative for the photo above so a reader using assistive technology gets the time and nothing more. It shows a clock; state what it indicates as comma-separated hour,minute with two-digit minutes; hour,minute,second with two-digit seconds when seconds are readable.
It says 3,29
